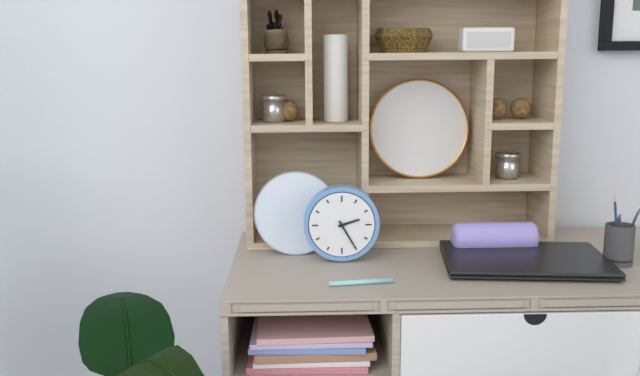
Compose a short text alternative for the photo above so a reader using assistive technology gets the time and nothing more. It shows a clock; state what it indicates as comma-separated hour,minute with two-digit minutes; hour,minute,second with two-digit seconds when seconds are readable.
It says 2,25
